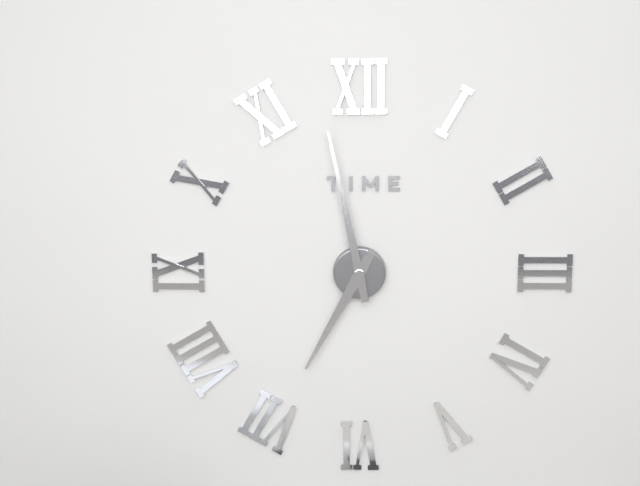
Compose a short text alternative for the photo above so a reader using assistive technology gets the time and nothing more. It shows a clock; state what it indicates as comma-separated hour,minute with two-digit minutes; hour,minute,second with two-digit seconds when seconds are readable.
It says 6,58
